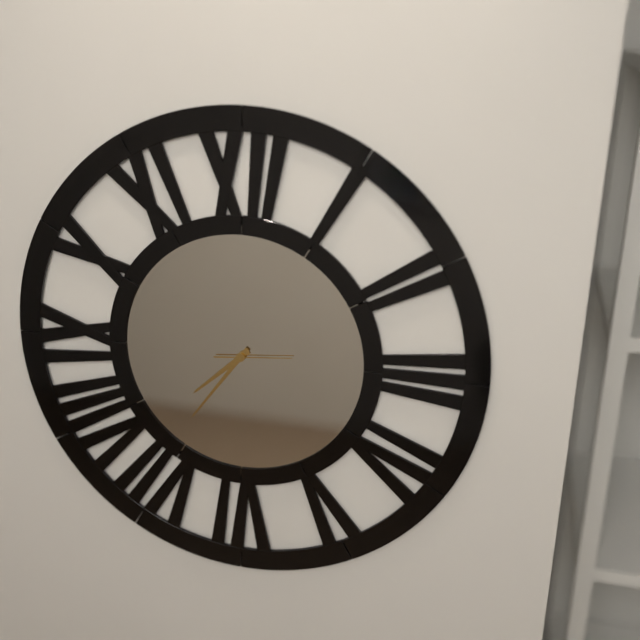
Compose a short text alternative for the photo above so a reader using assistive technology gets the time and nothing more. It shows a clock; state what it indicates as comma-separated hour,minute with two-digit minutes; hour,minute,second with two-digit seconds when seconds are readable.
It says 7,36,14
